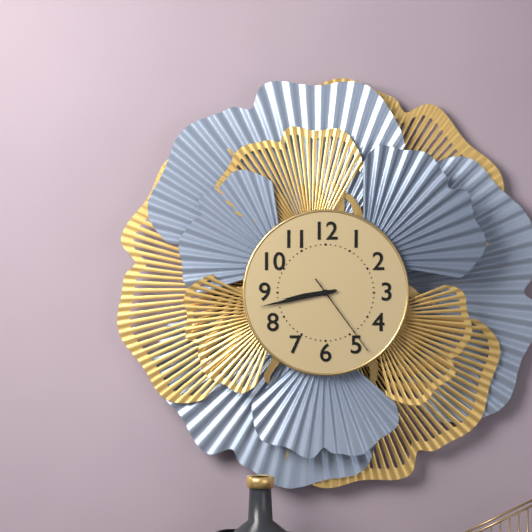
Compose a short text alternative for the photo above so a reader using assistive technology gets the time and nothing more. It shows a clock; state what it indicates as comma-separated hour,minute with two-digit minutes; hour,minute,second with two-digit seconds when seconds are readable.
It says 8,43,24
